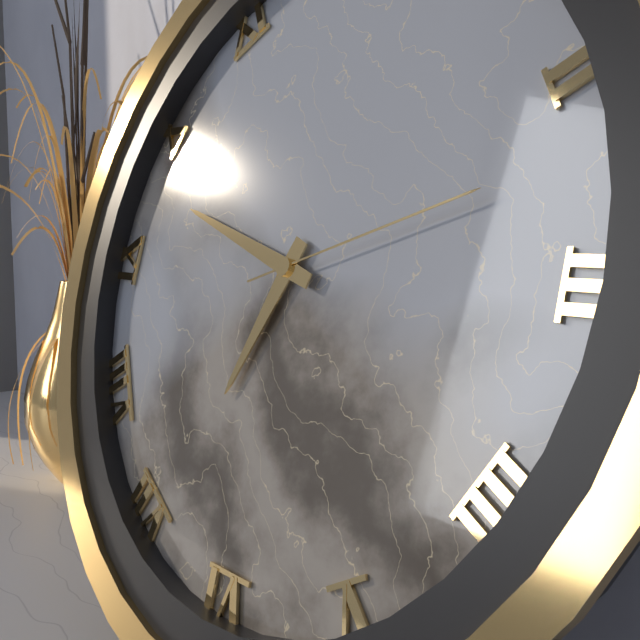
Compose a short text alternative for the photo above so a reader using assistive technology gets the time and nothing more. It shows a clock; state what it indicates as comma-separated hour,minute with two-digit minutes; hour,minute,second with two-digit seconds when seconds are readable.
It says 6,48,12
